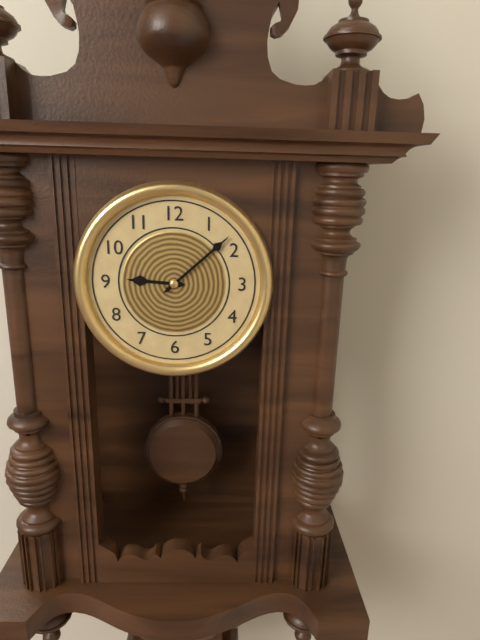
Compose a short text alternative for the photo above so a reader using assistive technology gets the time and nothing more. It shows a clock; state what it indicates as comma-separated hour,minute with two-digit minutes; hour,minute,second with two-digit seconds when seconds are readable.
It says 9,08
